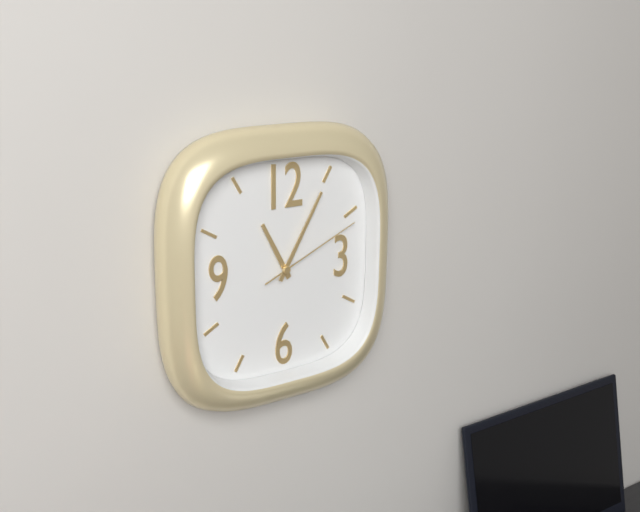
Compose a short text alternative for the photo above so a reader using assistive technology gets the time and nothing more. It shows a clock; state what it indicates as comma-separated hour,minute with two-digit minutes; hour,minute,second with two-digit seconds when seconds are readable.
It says 11,05,11
